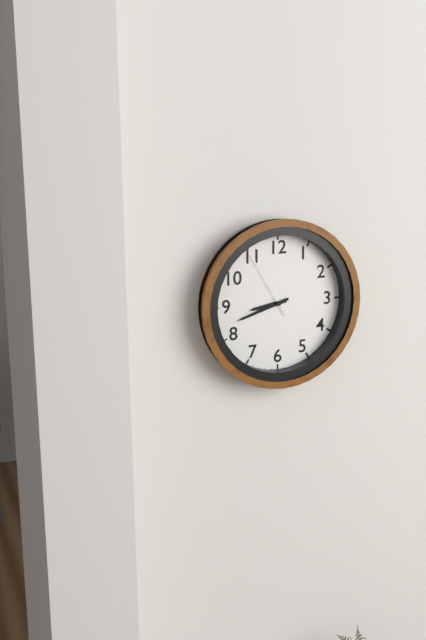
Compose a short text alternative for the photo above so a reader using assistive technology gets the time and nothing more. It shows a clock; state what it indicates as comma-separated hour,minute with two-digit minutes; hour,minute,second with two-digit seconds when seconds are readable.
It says 8,42,55
